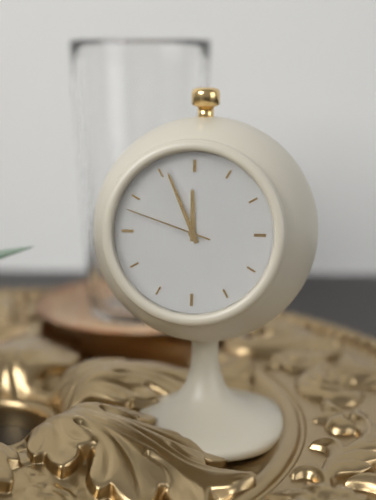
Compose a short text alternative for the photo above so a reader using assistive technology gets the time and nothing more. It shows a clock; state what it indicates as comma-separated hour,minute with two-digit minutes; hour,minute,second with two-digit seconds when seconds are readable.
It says 11,56,48
